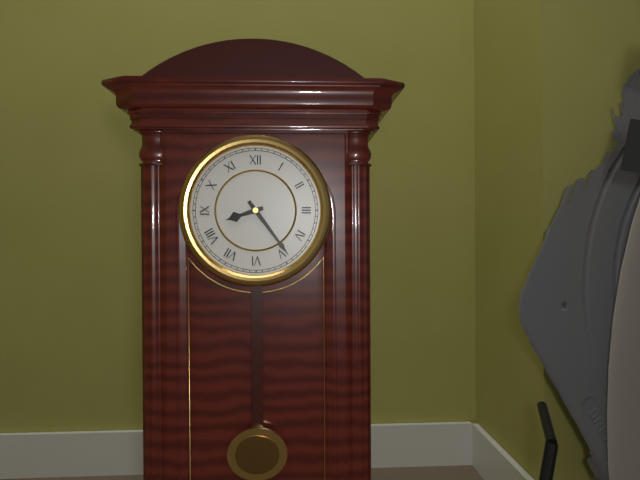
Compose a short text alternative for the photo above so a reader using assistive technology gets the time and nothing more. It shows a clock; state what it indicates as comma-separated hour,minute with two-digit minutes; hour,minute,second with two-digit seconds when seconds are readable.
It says 8,24
